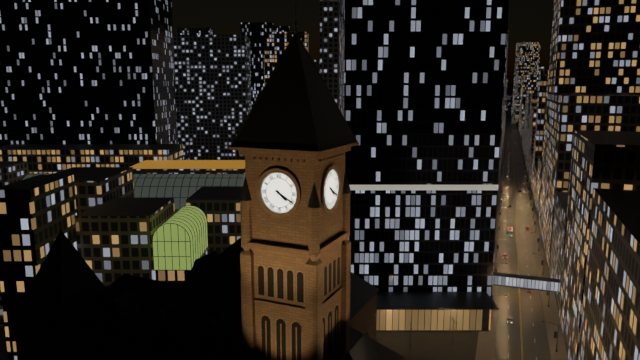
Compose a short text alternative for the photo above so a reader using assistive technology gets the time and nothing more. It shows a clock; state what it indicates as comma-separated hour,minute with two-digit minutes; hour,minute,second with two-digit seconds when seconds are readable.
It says 4,20
